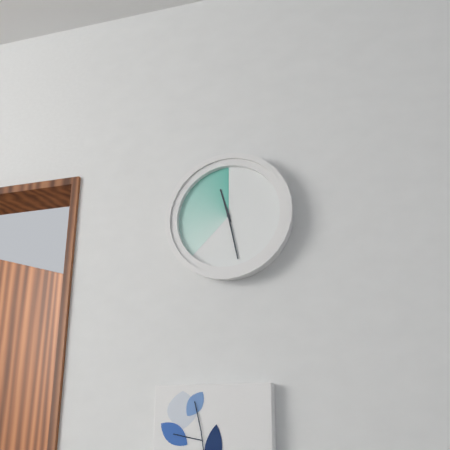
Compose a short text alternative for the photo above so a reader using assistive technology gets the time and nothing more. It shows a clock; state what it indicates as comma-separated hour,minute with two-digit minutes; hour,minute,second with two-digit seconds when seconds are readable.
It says 11,28
